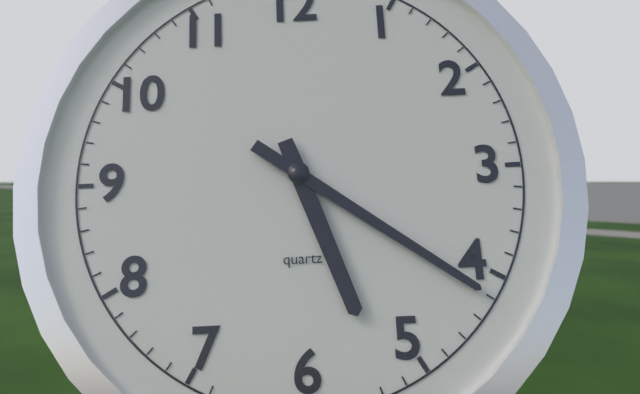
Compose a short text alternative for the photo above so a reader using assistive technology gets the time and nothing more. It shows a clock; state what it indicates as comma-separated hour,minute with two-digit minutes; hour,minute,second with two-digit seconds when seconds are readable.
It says 5,21
